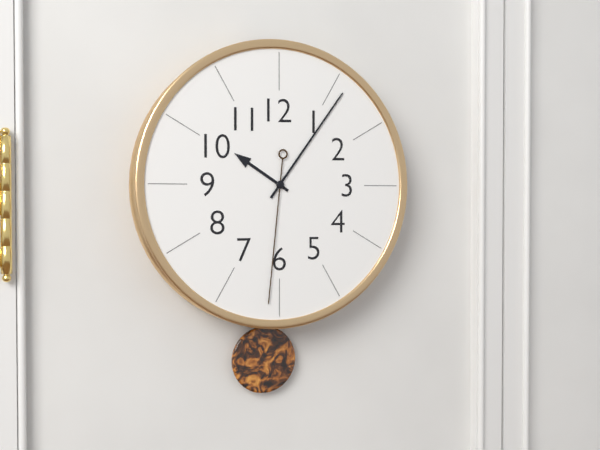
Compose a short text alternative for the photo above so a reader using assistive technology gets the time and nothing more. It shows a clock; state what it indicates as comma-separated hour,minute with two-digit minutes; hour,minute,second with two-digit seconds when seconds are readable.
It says 10,06,31
